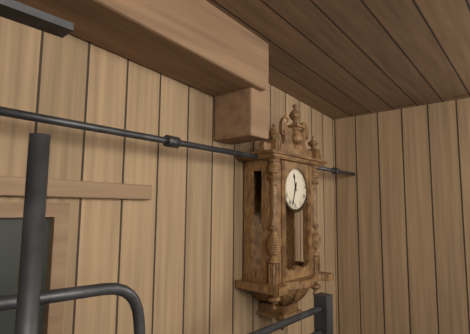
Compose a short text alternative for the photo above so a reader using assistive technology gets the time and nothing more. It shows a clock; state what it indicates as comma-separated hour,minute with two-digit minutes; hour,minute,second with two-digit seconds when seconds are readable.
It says 11,33
